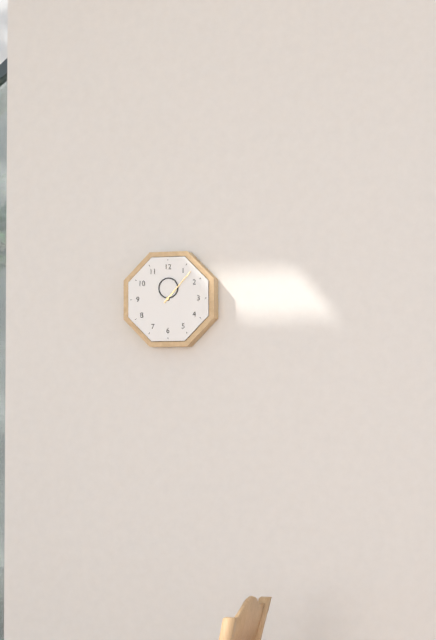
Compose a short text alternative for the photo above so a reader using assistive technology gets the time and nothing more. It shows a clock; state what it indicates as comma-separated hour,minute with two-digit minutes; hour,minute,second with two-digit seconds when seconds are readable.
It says 12,07
